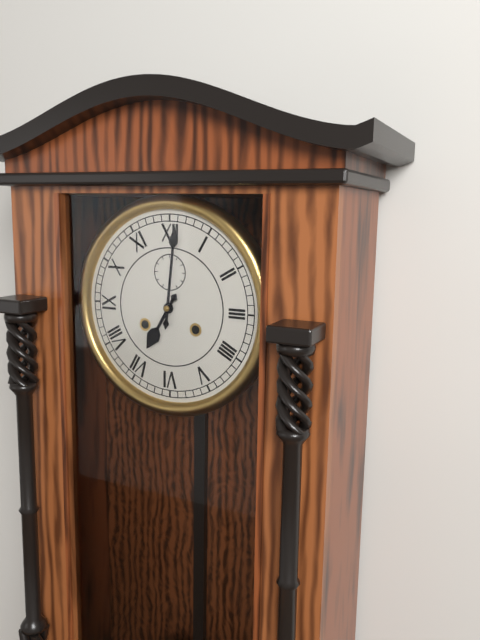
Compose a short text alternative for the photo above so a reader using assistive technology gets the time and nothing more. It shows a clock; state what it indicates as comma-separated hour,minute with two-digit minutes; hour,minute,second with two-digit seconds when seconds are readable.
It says 7,01
